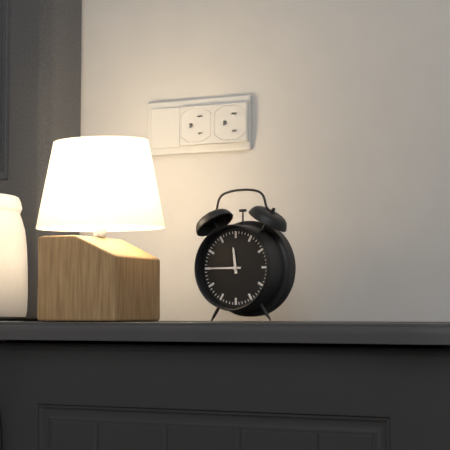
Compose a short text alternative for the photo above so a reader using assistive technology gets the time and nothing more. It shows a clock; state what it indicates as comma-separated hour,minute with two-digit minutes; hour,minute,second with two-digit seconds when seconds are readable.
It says 11,45
